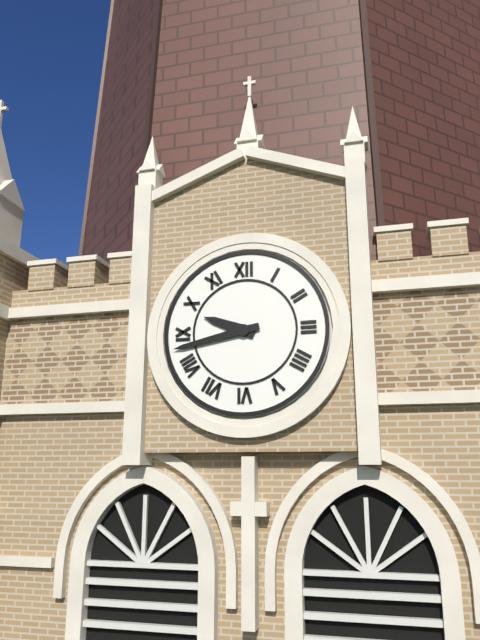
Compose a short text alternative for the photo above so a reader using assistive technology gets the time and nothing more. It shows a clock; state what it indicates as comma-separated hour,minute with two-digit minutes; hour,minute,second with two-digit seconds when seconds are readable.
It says 9,43
